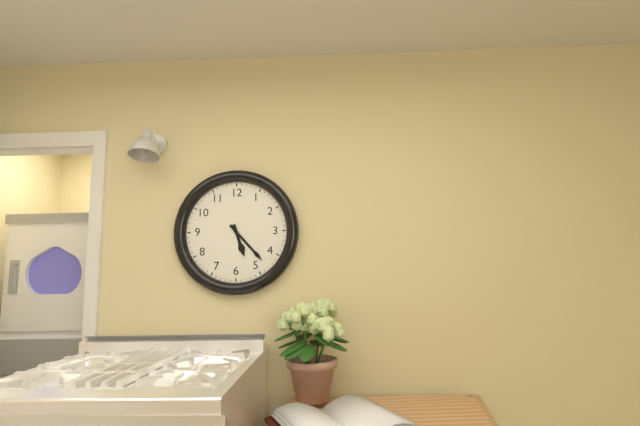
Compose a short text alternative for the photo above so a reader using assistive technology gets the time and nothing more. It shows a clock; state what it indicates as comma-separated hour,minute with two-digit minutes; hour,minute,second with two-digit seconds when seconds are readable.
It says 5,23
